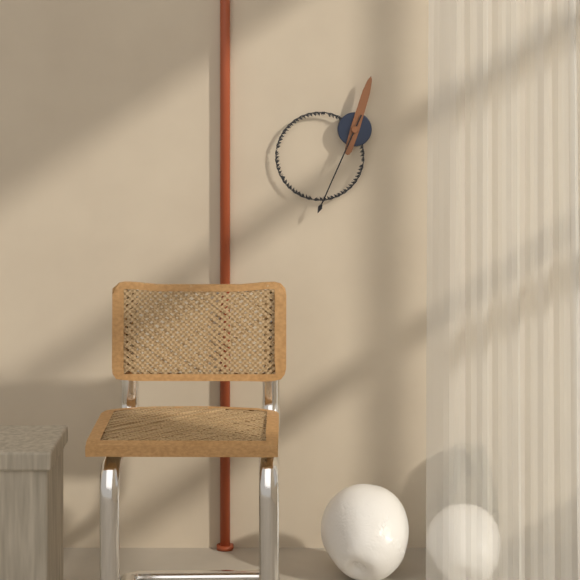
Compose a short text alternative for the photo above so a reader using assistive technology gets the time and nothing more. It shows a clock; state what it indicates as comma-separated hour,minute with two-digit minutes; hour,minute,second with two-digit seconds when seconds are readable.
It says 12,34
